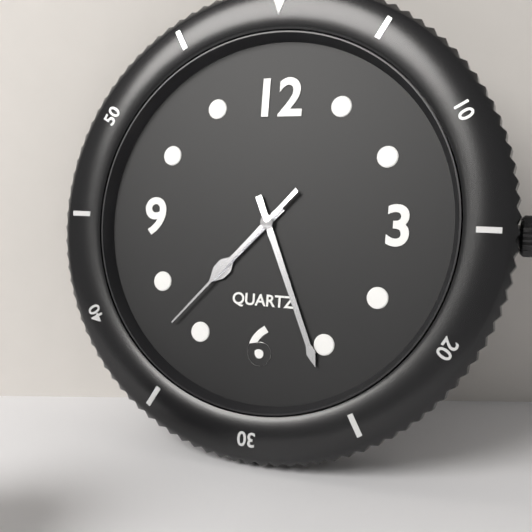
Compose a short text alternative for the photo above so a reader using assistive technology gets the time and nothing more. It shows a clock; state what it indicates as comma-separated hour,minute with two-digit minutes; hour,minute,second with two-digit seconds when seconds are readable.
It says 7,26,37
